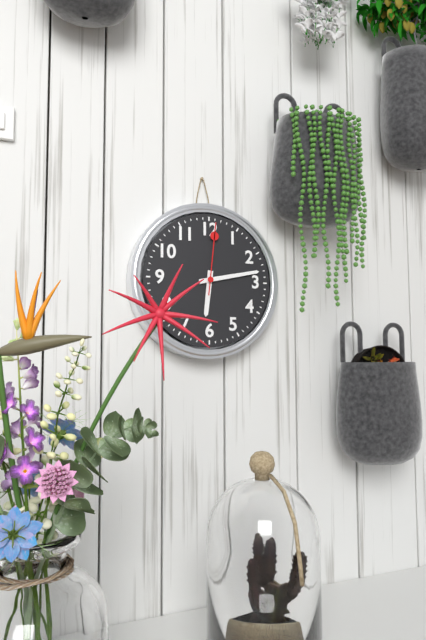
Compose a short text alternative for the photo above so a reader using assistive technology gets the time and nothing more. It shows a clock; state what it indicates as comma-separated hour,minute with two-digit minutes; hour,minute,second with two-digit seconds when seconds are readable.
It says 6,13,01
